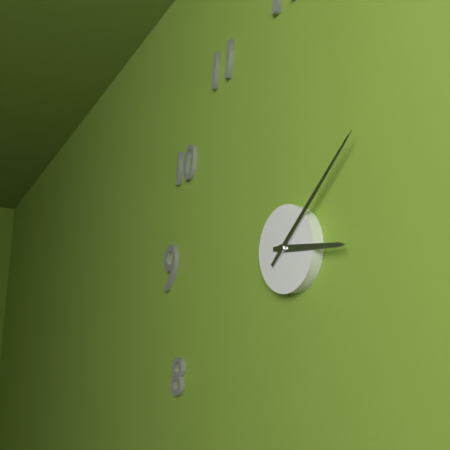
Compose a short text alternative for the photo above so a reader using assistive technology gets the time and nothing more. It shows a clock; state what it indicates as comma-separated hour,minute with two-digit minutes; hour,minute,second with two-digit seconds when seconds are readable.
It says 3,08
